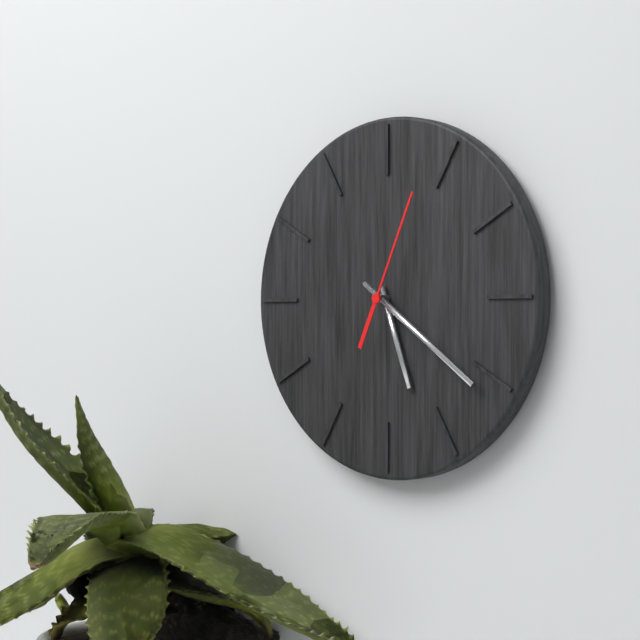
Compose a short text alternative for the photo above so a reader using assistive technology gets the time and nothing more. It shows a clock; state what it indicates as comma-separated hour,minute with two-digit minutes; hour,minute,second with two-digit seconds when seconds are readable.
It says 5,21,04
